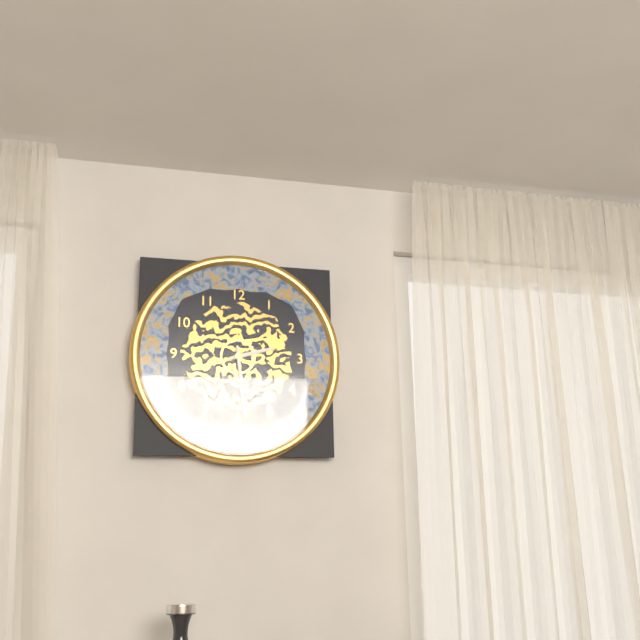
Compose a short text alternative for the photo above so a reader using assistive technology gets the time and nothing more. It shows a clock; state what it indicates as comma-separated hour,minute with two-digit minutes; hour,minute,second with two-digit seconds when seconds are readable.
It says 2,29
